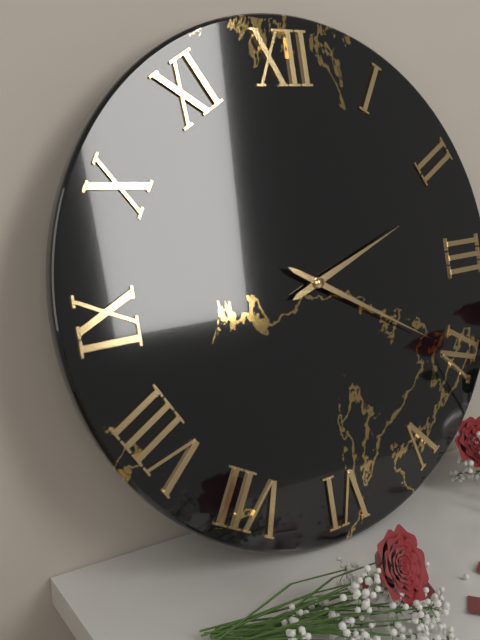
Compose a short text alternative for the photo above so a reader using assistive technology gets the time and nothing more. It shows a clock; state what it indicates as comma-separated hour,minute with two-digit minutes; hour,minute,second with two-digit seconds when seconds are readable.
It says 2,20
